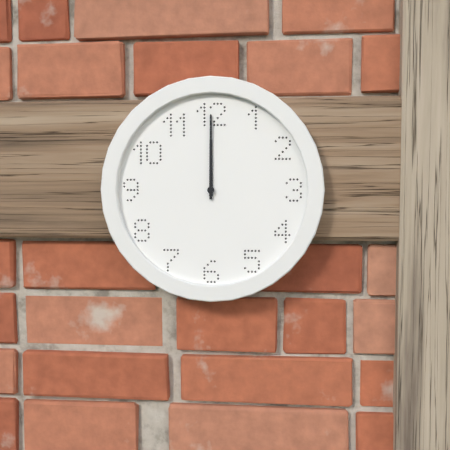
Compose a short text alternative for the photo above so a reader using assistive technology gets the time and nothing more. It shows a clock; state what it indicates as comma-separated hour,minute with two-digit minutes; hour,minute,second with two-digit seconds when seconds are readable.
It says 12,00
